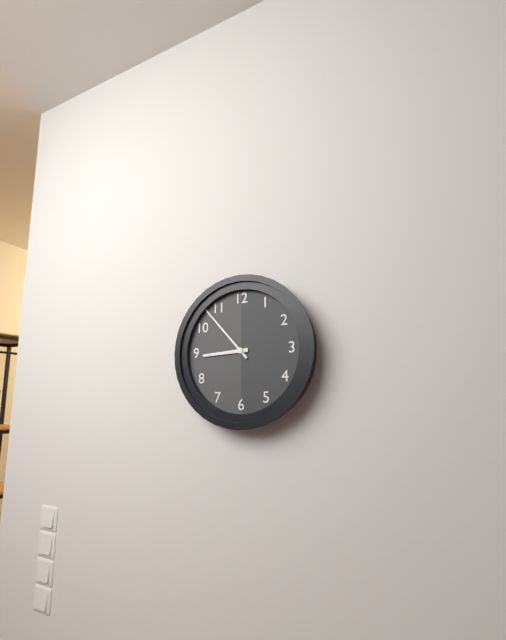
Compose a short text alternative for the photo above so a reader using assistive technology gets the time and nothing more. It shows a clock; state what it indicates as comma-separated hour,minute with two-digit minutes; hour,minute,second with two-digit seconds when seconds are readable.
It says 8,53
